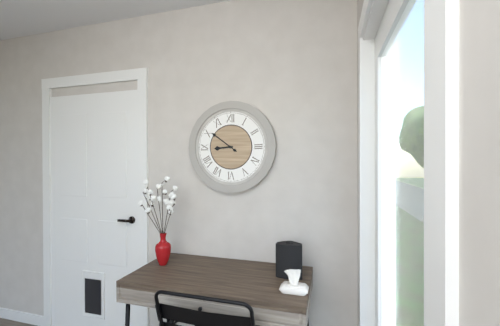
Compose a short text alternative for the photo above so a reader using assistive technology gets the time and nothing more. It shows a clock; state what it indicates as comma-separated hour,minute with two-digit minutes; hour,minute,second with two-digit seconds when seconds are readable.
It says 8,51
